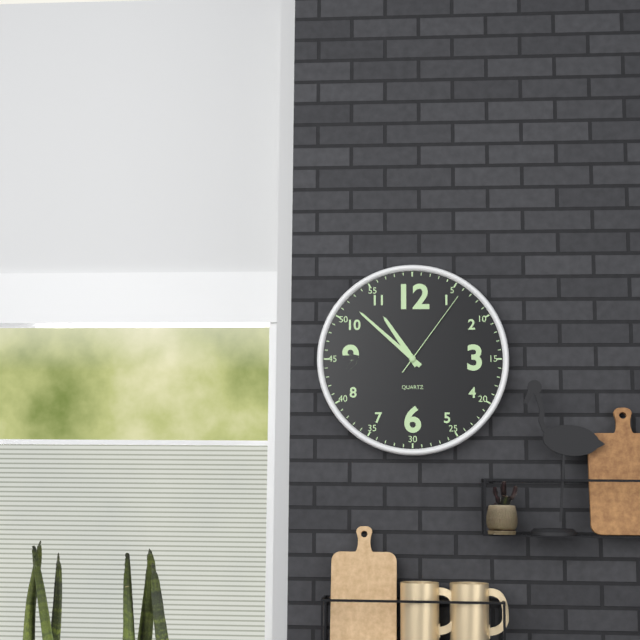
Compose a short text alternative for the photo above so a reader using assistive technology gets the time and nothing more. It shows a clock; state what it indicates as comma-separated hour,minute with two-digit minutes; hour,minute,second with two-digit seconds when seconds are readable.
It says 10,52,06
